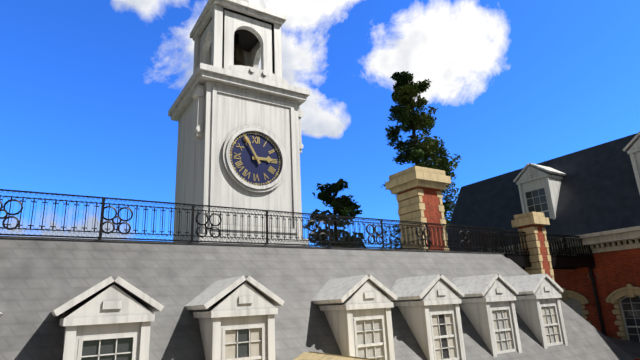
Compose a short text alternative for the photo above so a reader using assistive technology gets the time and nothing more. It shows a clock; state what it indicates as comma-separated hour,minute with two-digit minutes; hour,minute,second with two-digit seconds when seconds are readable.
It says 2,55
